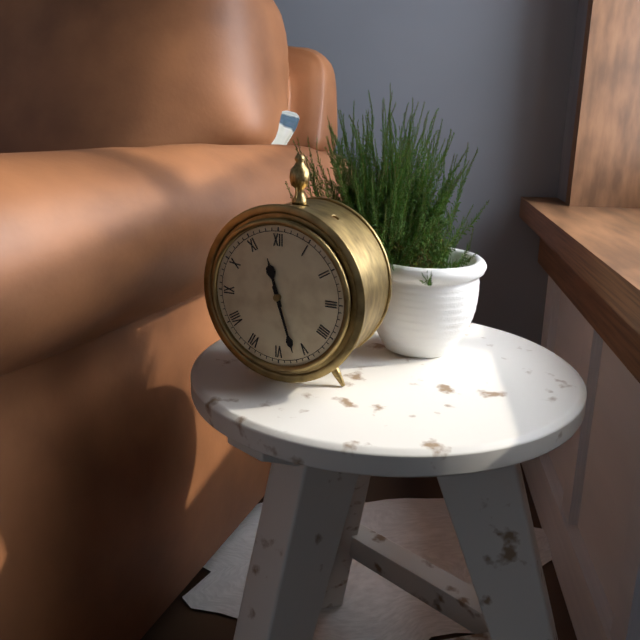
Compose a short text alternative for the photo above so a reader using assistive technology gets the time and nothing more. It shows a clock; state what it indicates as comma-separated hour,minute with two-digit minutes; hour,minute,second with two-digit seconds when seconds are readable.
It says 11,27
